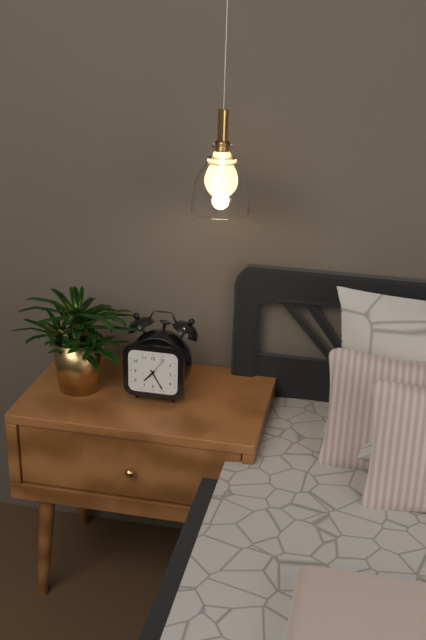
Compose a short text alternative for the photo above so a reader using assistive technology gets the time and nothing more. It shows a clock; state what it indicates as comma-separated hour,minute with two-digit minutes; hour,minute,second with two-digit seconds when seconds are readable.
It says 7,25
